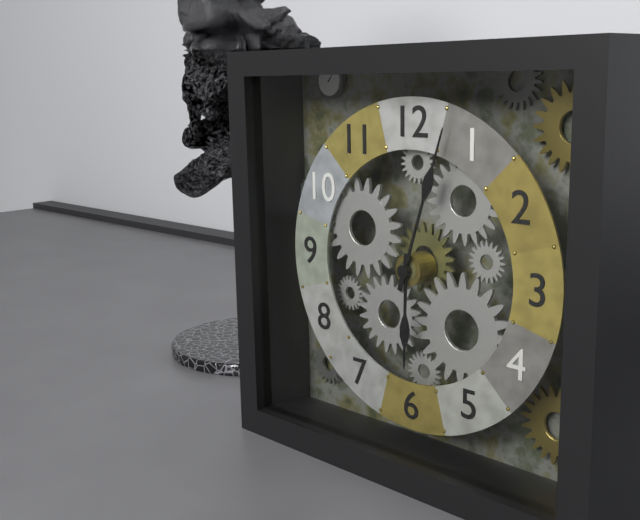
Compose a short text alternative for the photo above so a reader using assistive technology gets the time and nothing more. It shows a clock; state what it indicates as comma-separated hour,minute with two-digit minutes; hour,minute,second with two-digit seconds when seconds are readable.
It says 6,03
